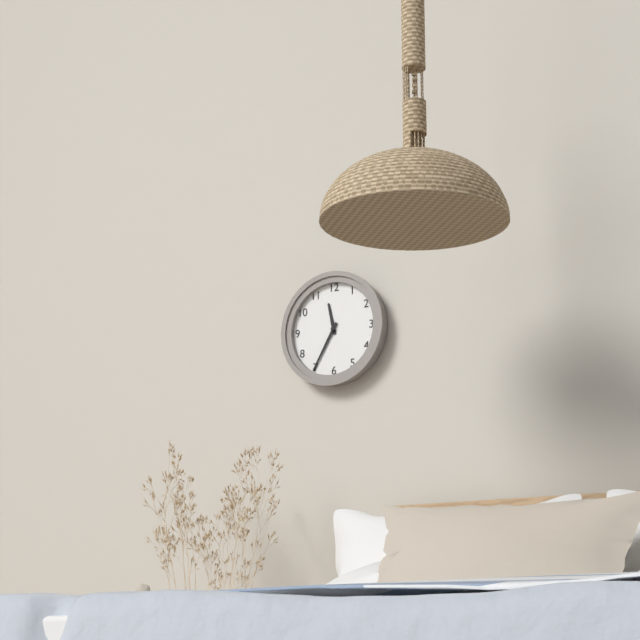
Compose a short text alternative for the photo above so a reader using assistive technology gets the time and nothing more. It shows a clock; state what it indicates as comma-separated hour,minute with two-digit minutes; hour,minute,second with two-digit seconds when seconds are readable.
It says 11,35
